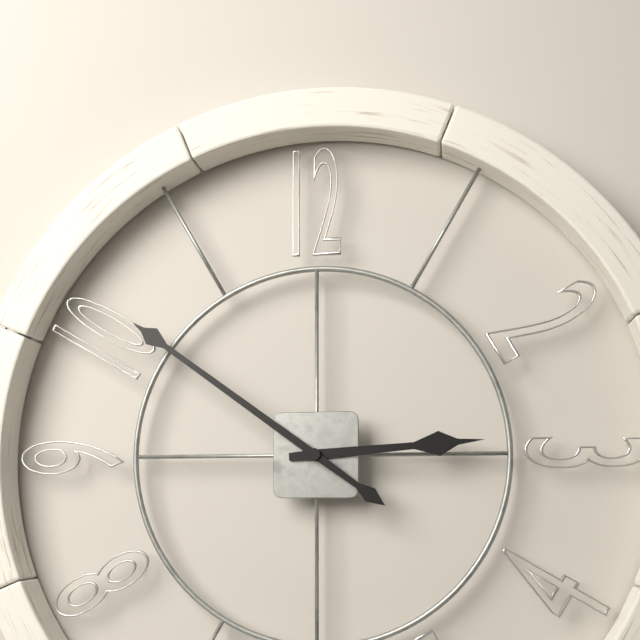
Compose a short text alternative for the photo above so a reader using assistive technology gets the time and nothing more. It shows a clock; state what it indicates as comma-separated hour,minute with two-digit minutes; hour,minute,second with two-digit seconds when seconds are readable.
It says 2,51
